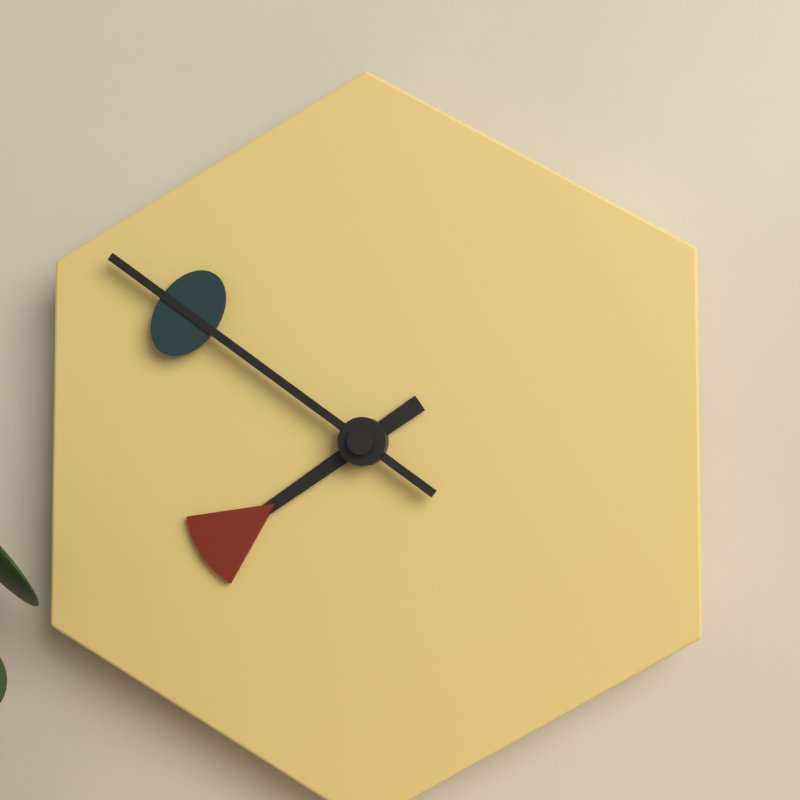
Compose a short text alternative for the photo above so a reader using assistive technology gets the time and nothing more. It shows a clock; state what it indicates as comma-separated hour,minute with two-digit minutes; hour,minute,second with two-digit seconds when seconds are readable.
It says 7,51
